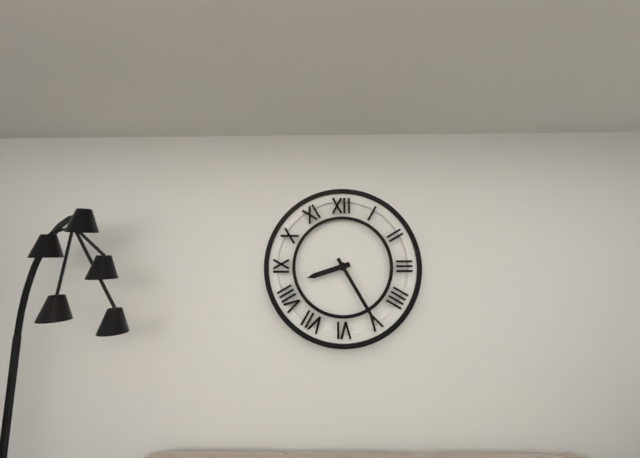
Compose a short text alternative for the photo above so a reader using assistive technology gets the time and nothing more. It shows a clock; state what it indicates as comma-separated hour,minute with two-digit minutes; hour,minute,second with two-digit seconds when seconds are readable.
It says 8,25
